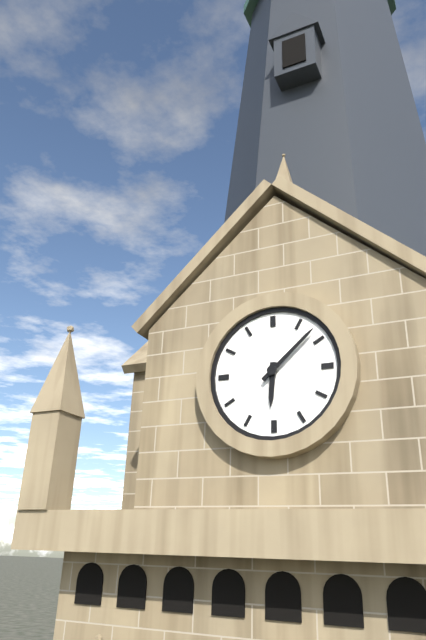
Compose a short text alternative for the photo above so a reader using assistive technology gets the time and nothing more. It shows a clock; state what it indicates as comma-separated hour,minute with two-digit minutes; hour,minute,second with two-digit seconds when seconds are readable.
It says 6,08
